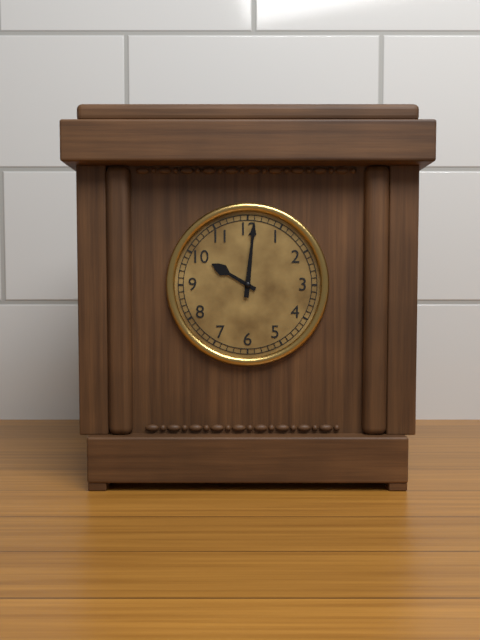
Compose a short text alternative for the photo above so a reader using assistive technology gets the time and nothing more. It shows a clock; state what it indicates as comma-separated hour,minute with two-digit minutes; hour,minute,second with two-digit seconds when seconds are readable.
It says 10,01
